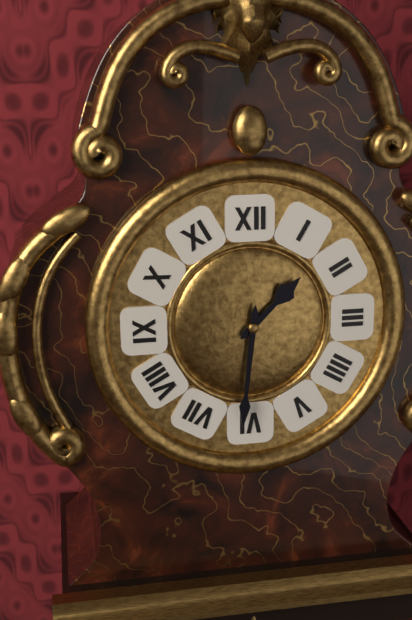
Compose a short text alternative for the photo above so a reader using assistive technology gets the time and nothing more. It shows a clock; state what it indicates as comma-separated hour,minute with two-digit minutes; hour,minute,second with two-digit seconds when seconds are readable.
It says 1,31
